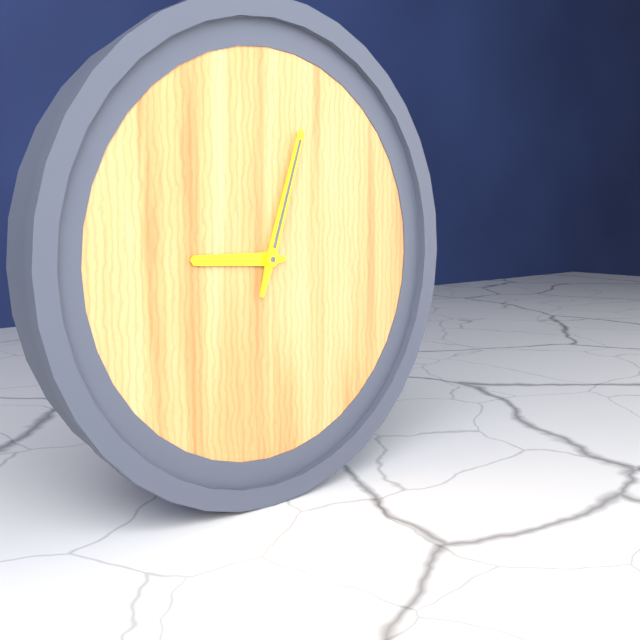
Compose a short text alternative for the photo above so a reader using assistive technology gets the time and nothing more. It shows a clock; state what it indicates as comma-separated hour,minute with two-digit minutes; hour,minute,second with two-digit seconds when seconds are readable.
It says 9,03
